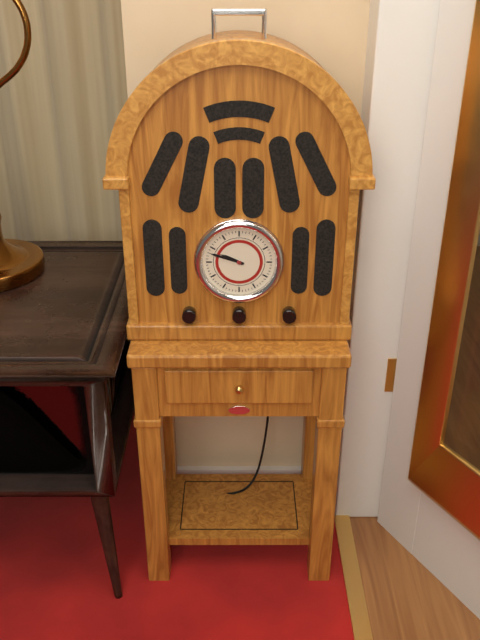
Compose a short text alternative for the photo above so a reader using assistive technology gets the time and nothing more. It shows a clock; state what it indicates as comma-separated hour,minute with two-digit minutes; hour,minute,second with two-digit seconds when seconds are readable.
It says 9,48
